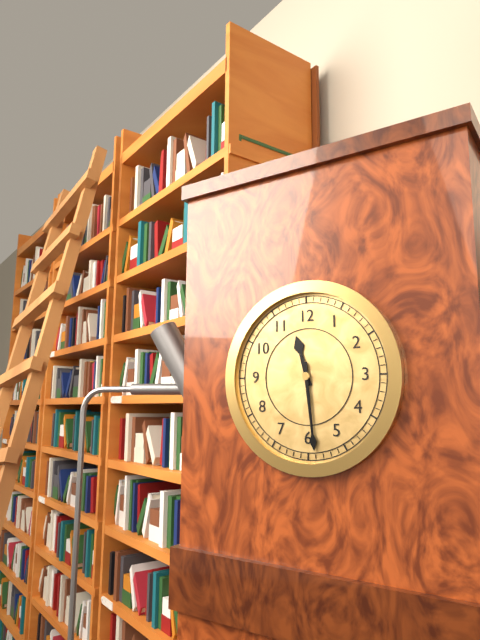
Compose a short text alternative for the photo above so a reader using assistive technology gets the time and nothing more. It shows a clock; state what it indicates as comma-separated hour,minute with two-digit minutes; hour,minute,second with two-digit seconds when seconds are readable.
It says 11,29
